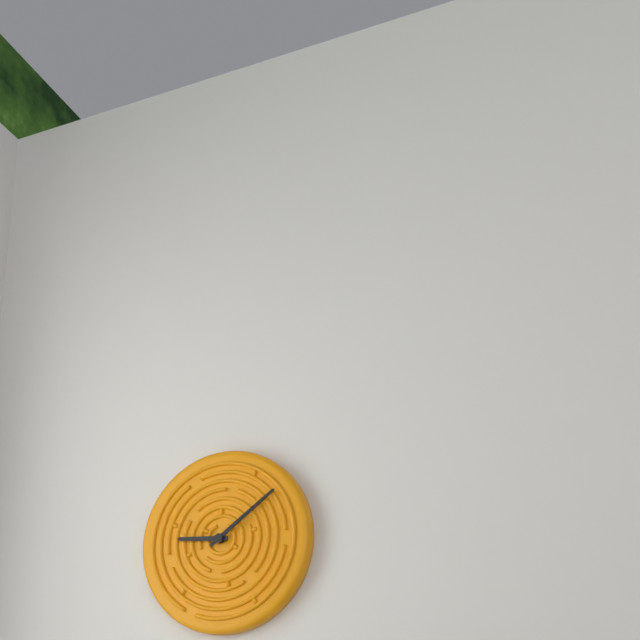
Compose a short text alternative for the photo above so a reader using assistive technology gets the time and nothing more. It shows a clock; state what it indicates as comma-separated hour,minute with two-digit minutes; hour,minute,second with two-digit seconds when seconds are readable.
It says 9,09
